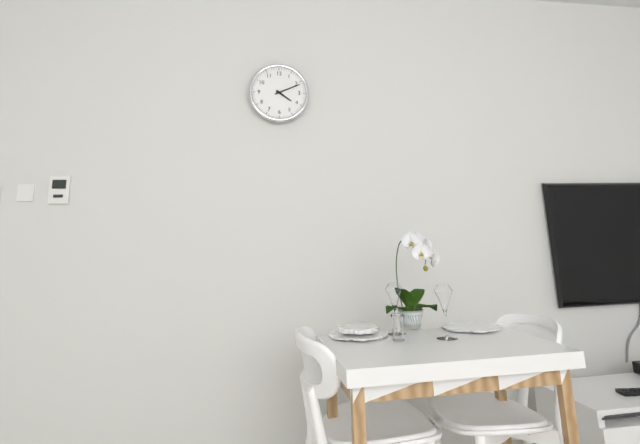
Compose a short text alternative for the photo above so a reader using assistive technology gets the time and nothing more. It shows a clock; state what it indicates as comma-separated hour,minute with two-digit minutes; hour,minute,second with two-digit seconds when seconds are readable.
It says 4,11
